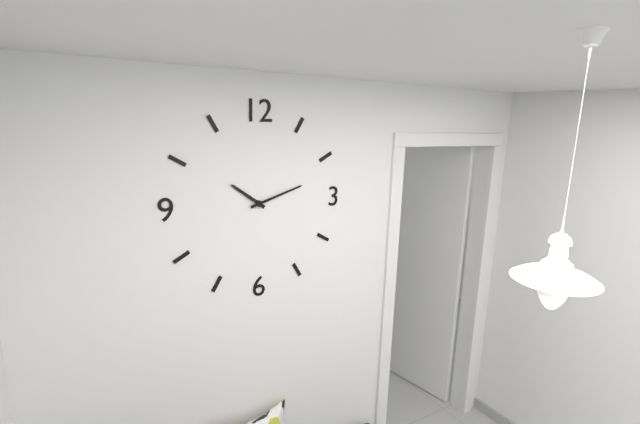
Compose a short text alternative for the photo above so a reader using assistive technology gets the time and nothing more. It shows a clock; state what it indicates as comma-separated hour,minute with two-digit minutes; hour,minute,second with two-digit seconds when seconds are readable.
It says 10,12
